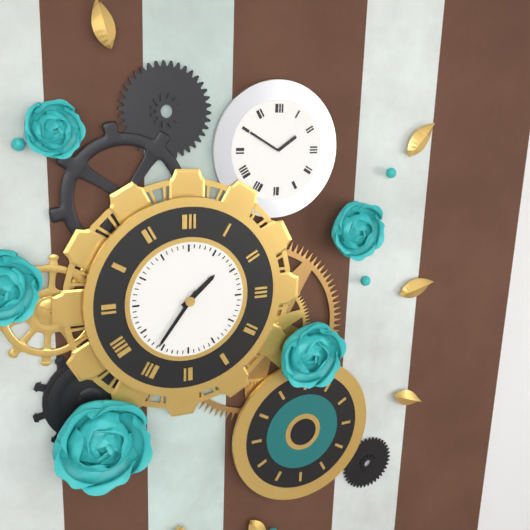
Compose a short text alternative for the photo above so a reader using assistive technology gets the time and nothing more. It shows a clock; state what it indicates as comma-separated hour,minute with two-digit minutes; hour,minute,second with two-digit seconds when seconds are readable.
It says 1,36
